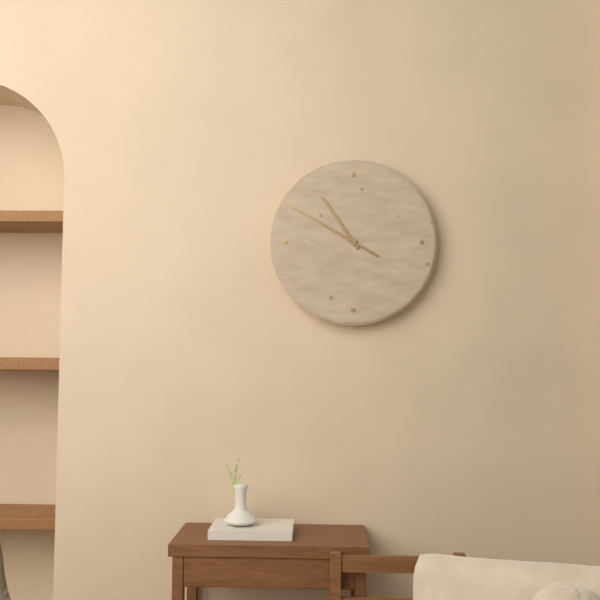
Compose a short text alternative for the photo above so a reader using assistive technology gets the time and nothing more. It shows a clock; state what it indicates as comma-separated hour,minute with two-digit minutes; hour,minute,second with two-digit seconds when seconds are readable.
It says 10,50
